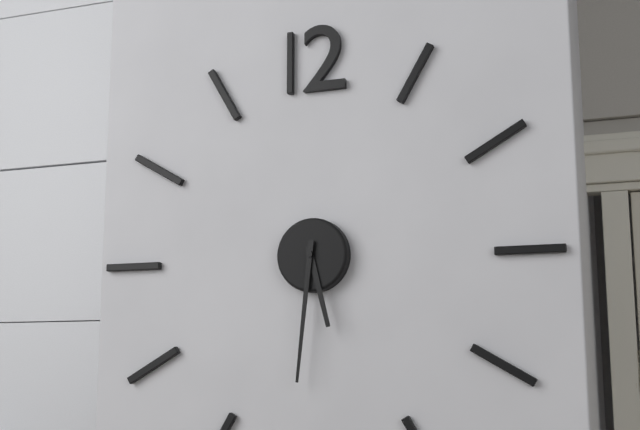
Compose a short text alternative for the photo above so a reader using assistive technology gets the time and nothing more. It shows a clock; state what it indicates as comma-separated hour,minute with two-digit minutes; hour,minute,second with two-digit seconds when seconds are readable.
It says 5,31
